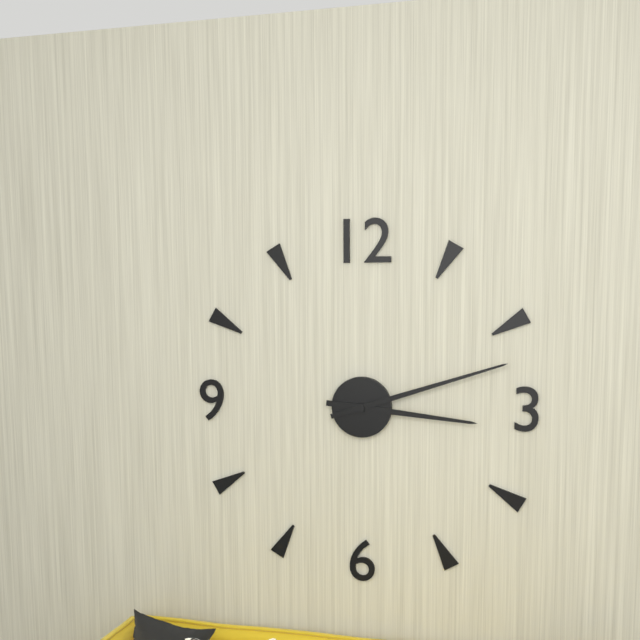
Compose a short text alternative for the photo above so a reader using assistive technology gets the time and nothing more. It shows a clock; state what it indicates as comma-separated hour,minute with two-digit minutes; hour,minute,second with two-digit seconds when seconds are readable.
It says 3,12
